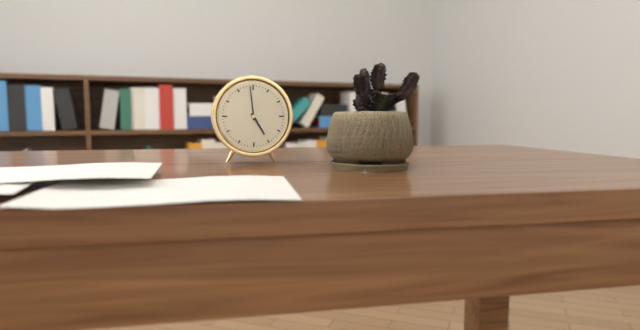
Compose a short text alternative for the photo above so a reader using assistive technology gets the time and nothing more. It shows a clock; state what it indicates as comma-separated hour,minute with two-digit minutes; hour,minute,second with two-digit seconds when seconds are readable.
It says 4,59
